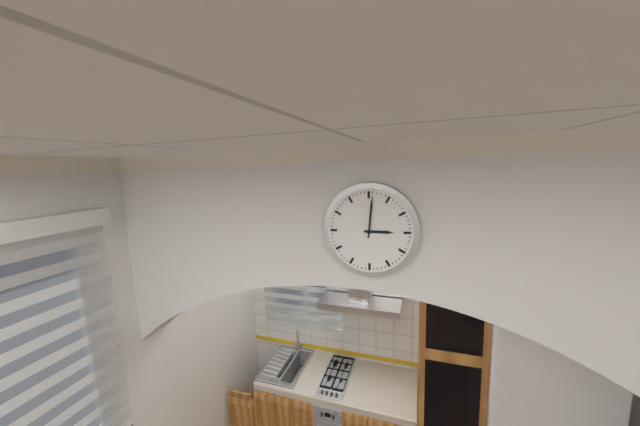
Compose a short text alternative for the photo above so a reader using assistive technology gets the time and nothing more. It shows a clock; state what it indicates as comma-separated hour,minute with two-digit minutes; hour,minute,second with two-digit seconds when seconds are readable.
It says 3,01
